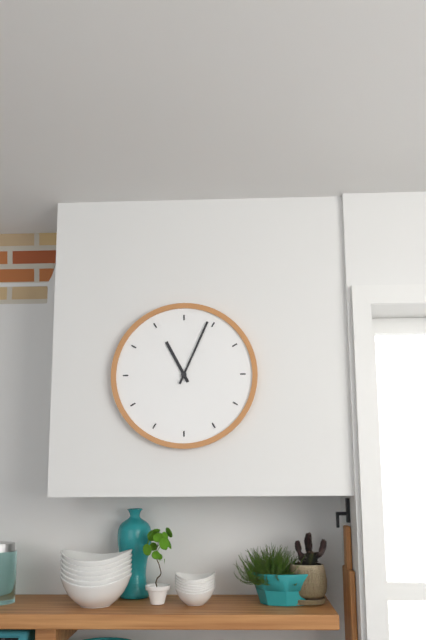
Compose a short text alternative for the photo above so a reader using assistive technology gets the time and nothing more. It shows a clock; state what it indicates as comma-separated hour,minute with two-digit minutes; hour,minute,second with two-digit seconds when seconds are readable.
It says 11,04
